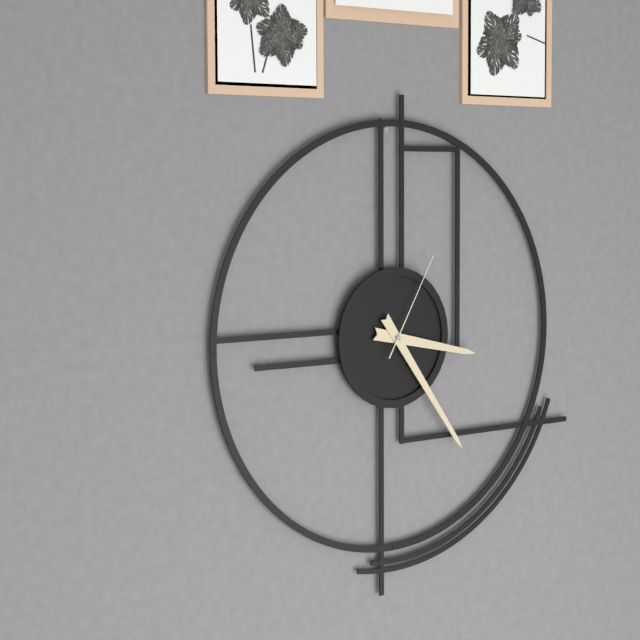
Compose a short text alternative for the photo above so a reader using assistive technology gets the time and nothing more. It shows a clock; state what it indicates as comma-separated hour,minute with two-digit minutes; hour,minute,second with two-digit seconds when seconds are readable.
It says 3,24,05
